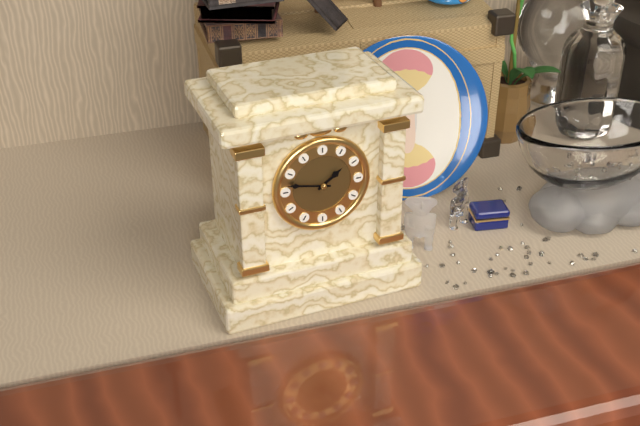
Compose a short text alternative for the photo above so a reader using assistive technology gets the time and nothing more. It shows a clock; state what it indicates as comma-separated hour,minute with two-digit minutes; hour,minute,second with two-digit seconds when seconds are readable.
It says 1,47
